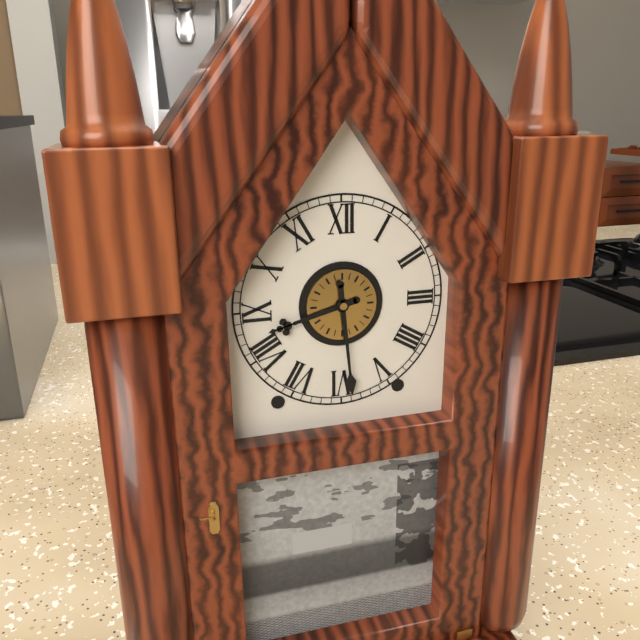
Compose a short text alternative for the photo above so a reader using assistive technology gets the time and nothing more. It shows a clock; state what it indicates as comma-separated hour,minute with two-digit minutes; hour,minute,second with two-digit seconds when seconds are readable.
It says 8,29
